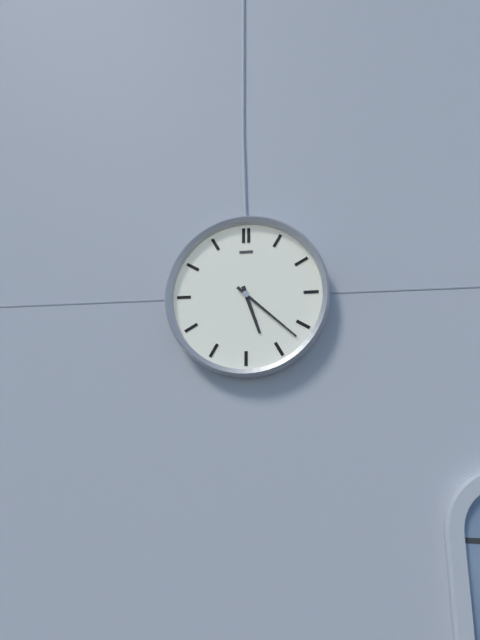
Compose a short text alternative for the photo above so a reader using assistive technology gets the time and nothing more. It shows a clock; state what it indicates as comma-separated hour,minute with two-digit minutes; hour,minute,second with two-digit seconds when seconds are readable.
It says 5,22
